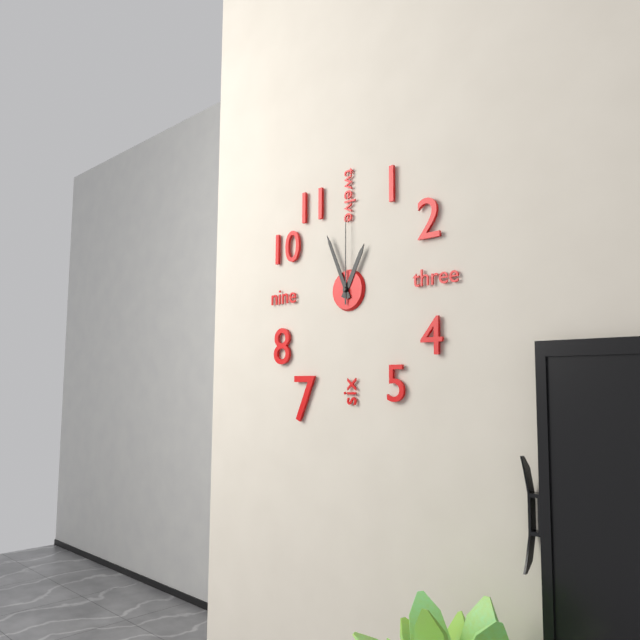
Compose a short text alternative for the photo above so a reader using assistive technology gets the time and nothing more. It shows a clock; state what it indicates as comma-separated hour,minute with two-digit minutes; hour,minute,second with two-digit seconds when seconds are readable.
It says 12,56,00
